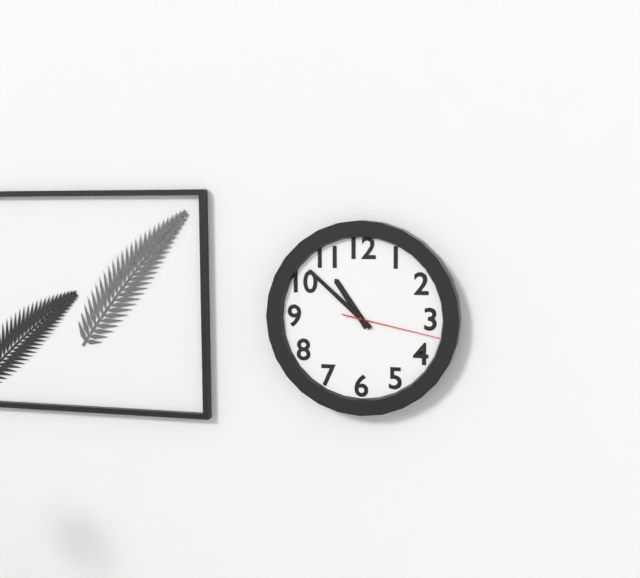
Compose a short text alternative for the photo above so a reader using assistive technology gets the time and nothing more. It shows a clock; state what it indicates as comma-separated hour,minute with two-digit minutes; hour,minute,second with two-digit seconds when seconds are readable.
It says 10,52,17
